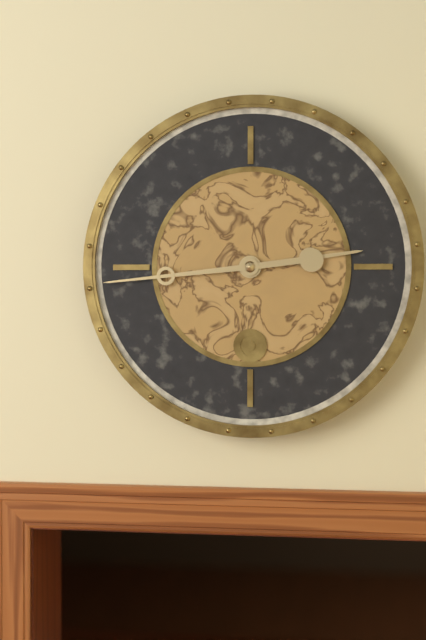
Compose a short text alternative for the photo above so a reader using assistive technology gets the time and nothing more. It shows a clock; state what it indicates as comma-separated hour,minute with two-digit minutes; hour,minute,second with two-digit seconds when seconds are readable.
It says 2,44
